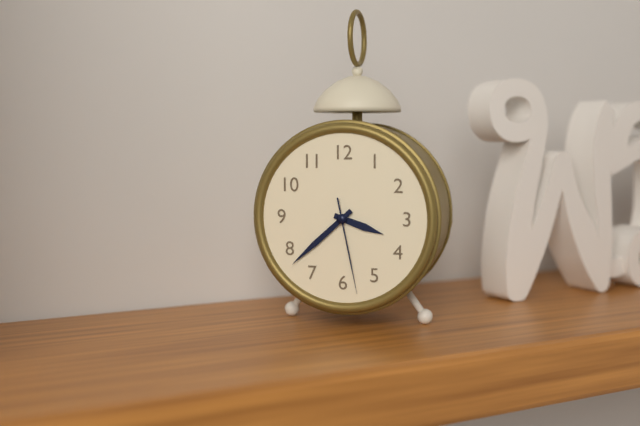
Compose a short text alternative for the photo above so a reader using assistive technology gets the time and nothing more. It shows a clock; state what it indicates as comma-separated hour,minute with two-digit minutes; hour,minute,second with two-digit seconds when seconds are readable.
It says 3,38,28
